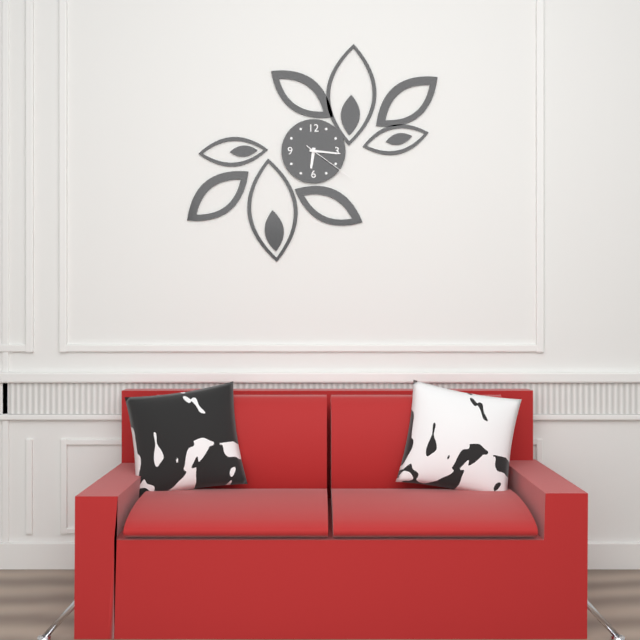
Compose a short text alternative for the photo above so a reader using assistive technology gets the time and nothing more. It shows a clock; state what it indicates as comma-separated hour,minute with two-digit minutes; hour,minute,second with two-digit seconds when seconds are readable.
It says 6,16,21
